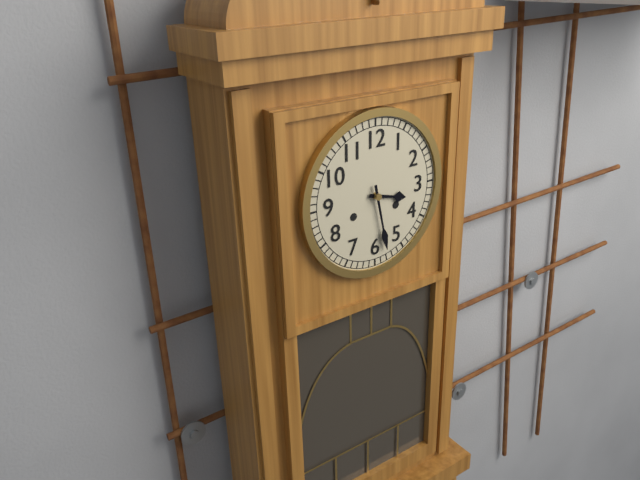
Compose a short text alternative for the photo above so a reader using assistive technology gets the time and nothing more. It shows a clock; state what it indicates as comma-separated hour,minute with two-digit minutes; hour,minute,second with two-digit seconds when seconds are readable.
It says 3,28
